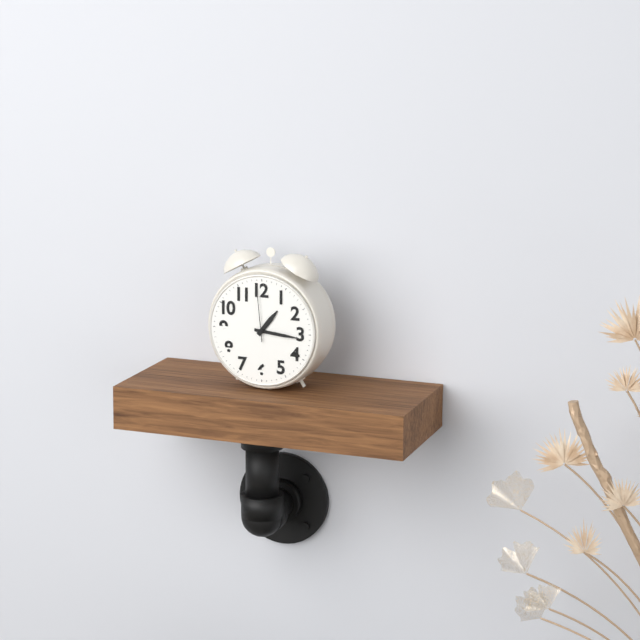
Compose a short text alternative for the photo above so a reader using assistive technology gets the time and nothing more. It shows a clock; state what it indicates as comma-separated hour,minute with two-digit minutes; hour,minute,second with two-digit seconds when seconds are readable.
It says 1,16,59
